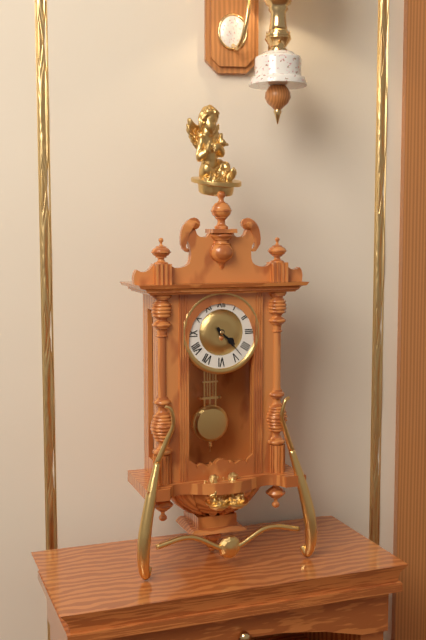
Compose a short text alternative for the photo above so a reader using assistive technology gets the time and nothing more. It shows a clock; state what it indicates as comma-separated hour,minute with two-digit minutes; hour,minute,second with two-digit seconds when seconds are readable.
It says 4,23
